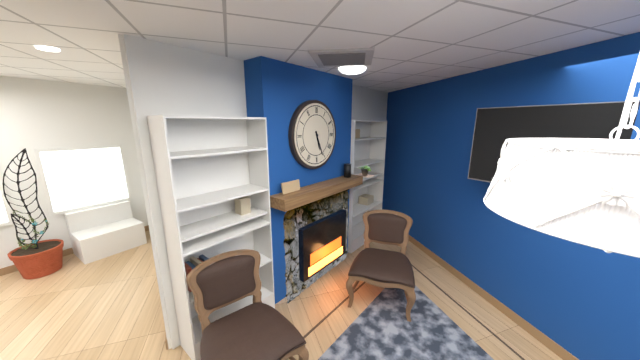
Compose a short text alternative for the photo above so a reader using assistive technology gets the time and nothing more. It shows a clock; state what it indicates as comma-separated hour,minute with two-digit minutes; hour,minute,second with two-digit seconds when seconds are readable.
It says 5,26
